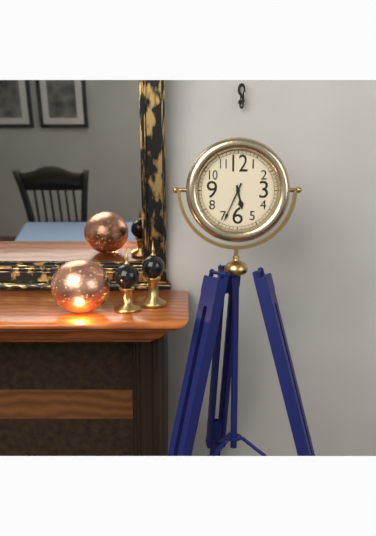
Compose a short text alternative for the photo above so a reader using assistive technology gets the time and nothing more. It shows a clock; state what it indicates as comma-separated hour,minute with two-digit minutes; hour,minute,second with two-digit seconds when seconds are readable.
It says 5,34
